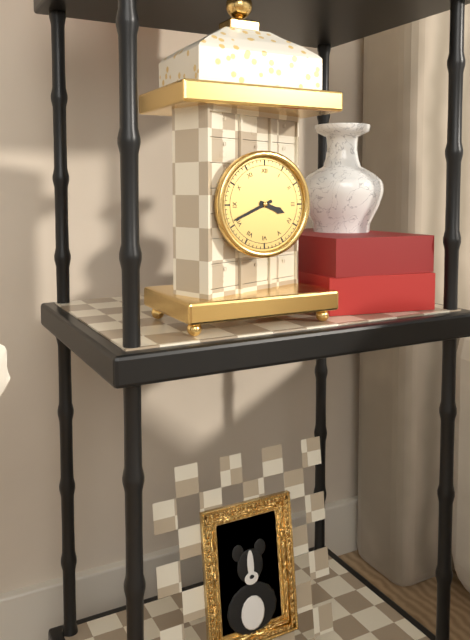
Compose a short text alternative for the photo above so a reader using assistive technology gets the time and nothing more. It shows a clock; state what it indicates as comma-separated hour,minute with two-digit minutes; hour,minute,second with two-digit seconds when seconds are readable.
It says 3,41
